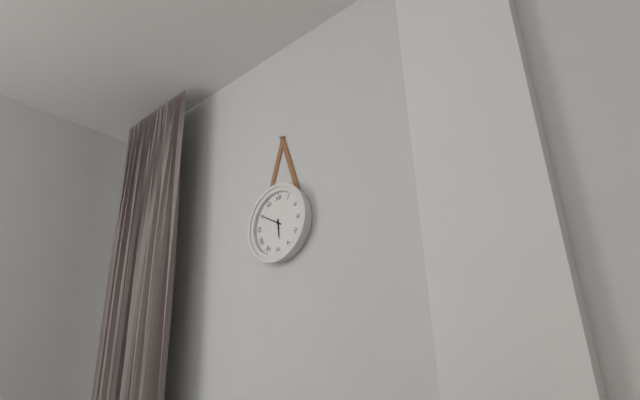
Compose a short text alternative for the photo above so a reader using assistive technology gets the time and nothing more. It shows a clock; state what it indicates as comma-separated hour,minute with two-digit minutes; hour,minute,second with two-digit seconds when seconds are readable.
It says 5,50
